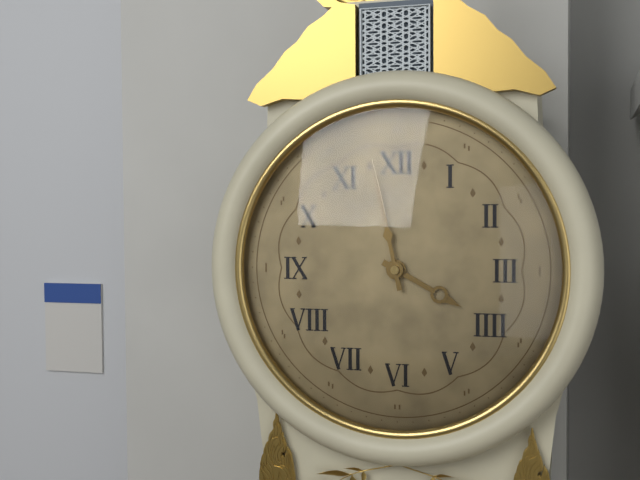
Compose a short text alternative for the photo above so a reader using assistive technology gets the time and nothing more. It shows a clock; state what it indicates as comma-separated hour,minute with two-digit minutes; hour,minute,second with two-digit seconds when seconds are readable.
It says 3,58
